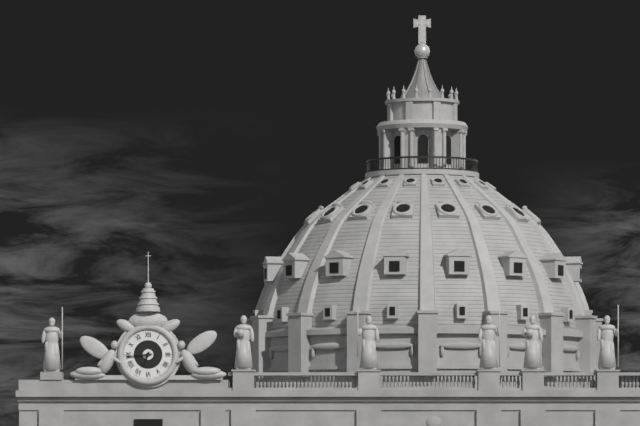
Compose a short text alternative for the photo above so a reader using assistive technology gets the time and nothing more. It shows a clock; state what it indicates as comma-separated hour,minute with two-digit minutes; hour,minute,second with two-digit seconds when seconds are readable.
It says 6,44
